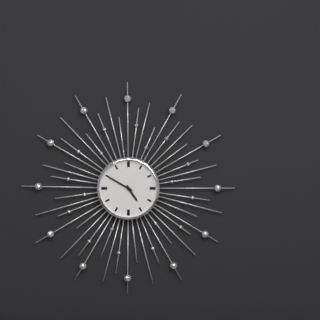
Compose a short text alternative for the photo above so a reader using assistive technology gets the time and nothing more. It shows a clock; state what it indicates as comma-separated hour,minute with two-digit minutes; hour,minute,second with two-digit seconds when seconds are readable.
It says 4,50
